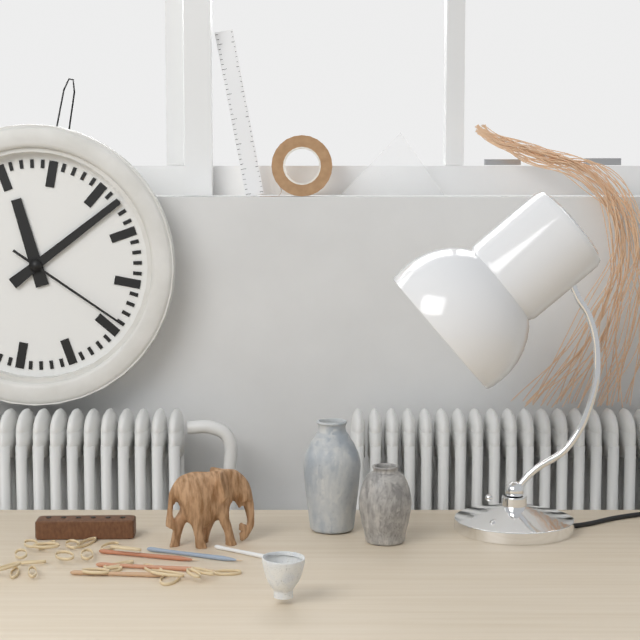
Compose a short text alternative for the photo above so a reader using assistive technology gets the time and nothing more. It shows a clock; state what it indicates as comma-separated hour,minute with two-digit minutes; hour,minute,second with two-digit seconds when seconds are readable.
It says 11,07,19
